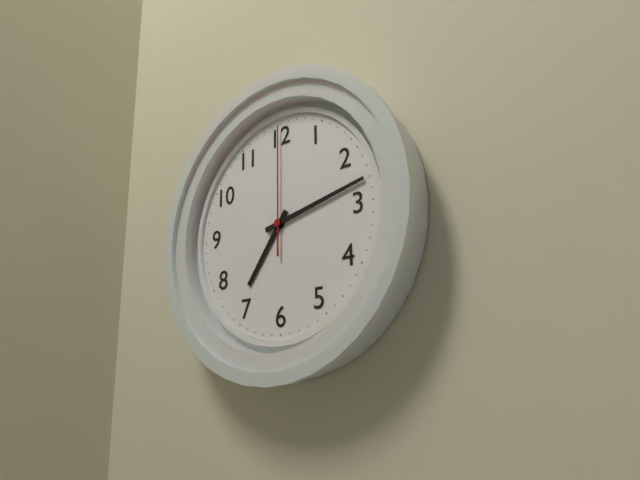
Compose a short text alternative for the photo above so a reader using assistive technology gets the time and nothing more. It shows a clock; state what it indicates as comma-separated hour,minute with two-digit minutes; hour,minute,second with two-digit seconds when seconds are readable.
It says 7,13,00
